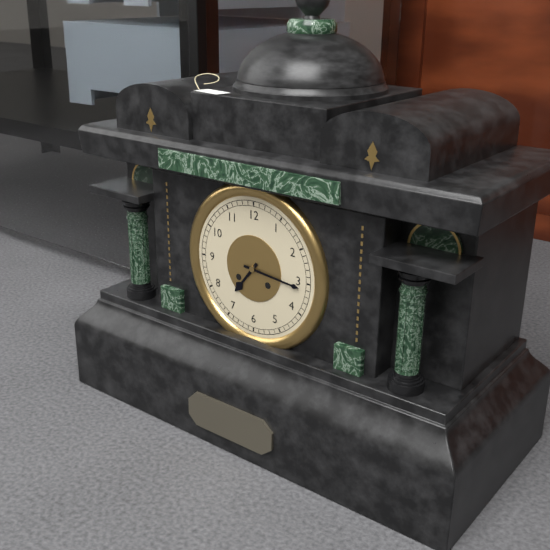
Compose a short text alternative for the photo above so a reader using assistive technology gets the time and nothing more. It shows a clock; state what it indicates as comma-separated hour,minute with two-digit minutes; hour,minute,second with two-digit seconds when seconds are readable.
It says 7,16
